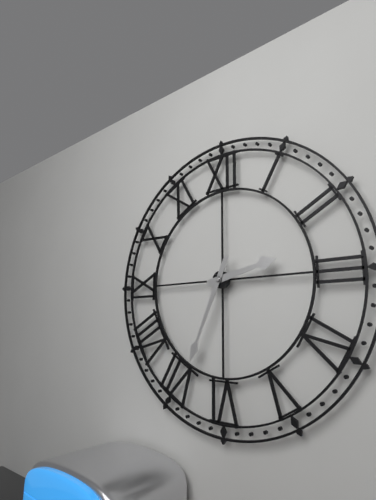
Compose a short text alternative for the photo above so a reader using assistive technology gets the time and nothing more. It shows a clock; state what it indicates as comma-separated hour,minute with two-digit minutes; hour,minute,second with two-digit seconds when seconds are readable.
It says 2,34
